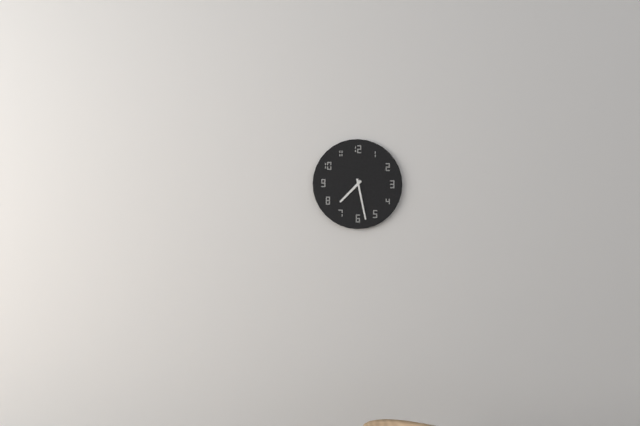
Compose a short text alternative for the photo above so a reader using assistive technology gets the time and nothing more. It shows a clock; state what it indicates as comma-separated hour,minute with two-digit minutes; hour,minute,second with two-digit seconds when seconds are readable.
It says 7,28
